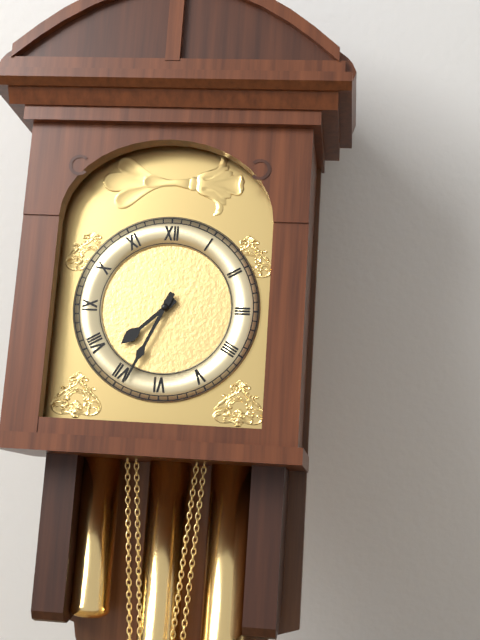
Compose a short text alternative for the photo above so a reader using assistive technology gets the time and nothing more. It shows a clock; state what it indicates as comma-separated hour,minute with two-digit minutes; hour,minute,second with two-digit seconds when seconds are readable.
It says 7,34
